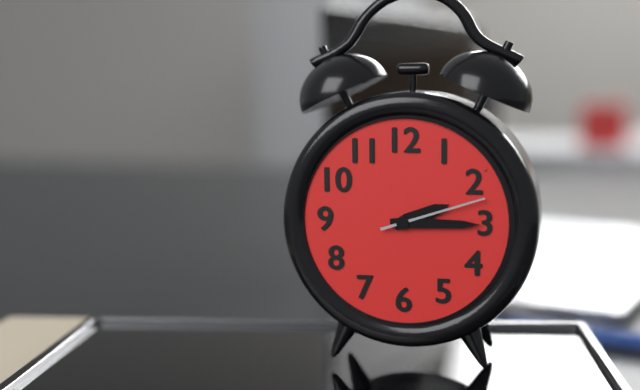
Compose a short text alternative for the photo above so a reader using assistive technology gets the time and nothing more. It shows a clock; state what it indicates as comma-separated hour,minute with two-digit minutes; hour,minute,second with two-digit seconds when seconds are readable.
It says 2,15,12
